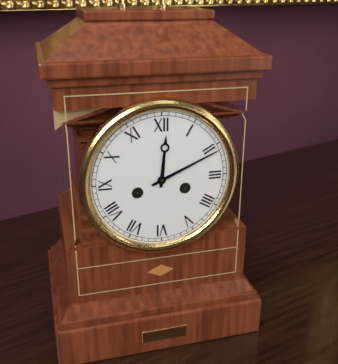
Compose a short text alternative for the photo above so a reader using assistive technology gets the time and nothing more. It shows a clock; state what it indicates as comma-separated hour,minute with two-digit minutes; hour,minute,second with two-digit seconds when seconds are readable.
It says 12,11
